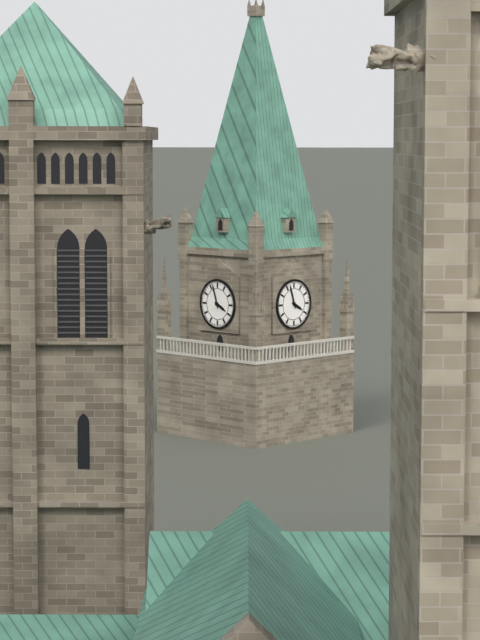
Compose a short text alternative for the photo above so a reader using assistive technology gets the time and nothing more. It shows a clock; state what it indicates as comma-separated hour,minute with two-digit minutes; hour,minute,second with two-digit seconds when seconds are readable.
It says 3,57
